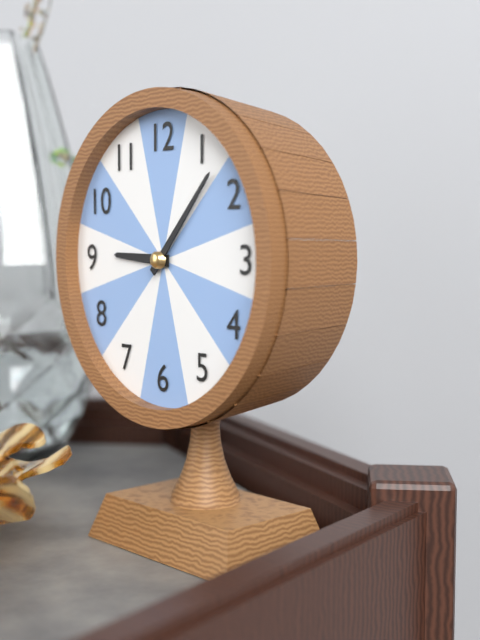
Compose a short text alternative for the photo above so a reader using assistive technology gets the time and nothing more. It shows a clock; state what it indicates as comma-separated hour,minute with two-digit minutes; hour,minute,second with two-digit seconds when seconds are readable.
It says 9,07
